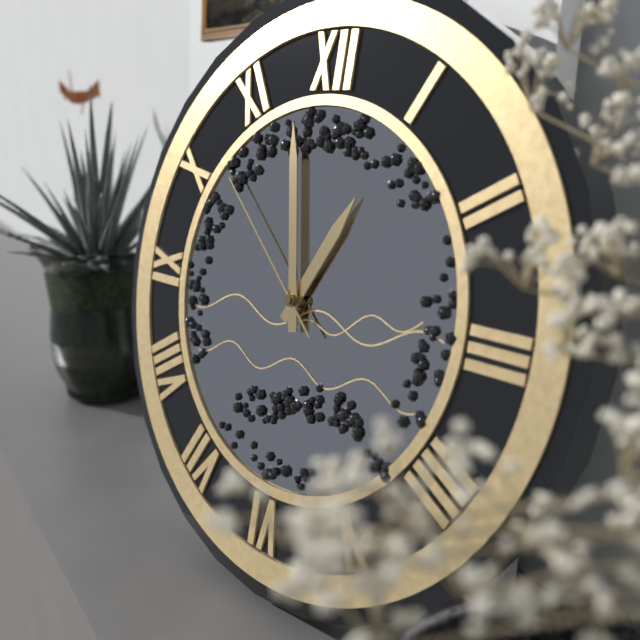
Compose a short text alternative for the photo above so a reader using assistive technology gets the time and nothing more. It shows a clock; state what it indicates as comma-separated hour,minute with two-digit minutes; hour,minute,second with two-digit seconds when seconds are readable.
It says 12,58,52
